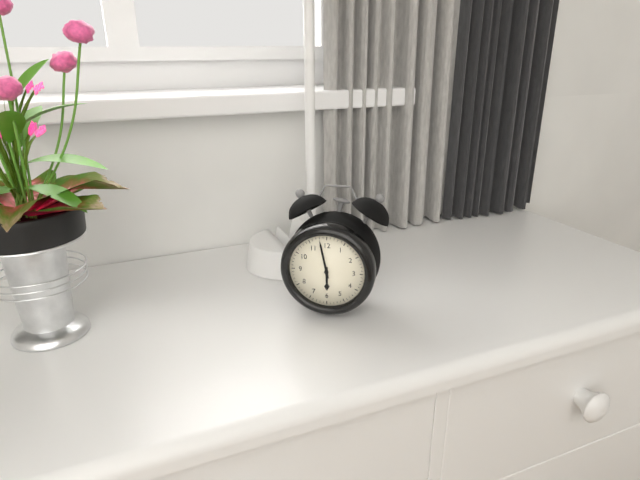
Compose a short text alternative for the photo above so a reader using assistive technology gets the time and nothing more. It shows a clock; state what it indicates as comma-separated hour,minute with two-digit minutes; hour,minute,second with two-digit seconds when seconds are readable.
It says 5,58
